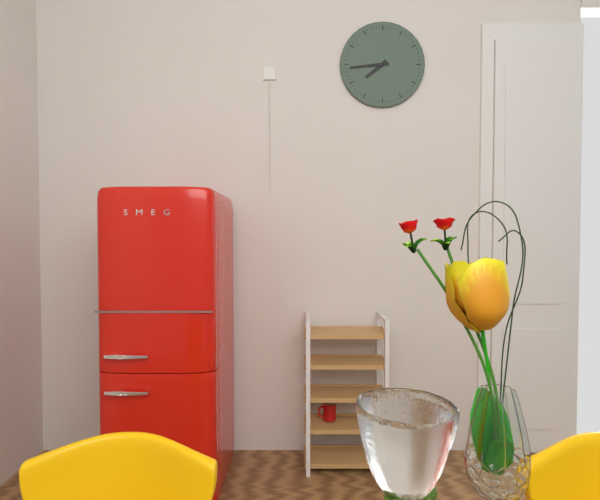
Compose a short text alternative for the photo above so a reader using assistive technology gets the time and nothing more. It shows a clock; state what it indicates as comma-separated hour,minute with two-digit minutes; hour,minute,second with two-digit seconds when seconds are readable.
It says 7,44
